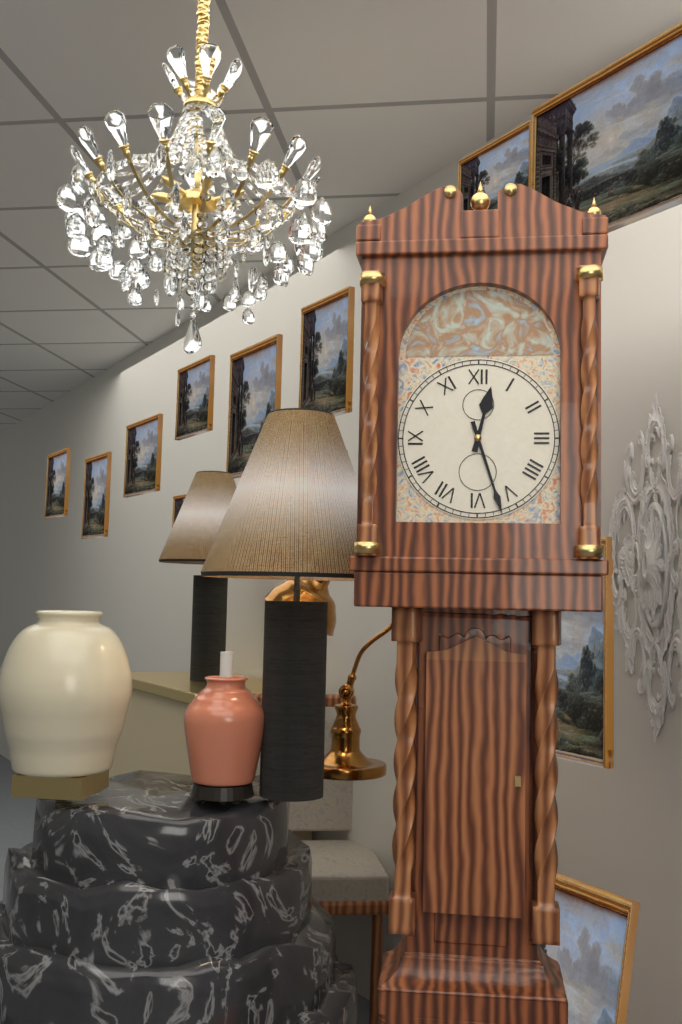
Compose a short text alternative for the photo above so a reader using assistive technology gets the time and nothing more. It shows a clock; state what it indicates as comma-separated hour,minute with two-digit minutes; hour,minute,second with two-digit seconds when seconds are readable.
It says 12,27
